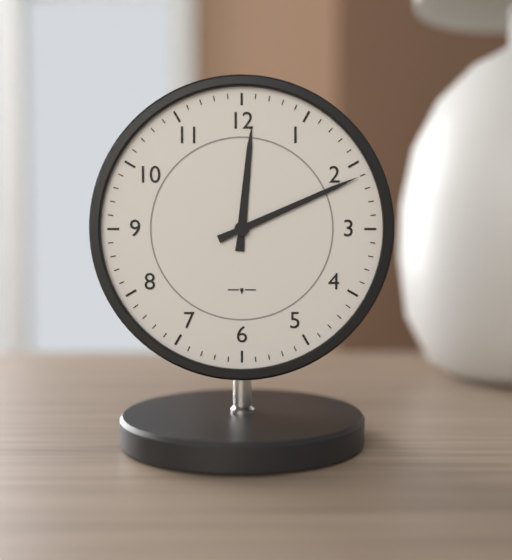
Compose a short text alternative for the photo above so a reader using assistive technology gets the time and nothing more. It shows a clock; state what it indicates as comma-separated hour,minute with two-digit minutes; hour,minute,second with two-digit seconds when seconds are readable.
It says 12,11
